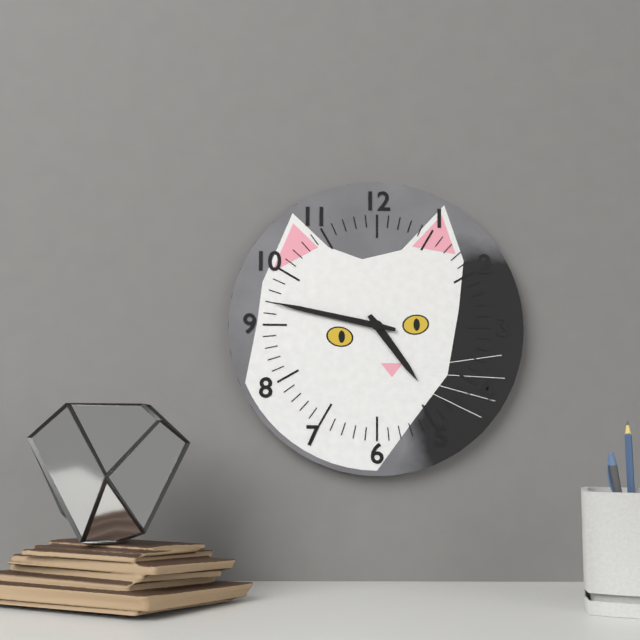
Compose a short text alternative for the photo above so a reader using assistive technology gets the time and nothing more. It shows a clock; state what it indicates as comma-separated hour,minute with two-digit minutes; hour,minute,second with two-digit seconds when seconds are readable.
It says 4,47
